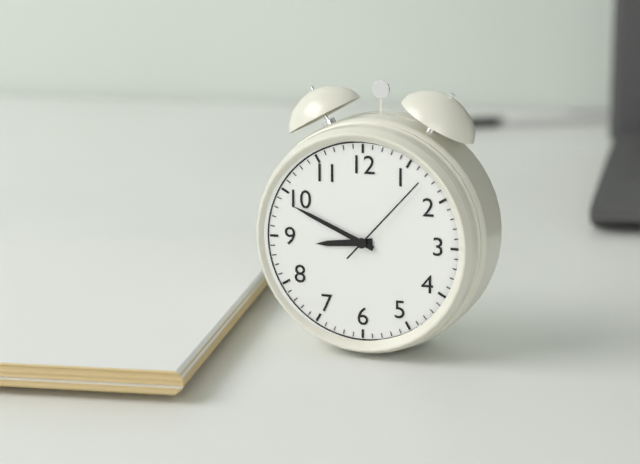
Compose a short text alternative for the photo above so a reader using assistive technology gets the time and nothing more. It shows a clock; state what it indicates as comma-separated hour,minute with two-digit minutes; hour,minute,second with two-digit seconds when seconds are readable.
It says 8,49,07
